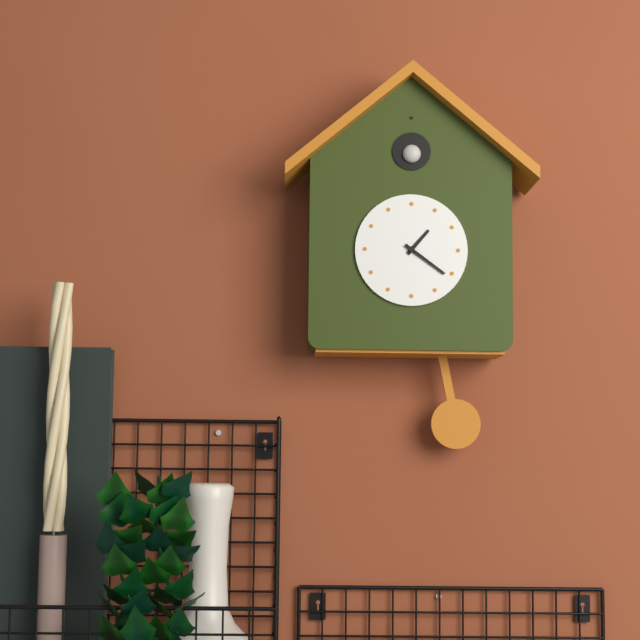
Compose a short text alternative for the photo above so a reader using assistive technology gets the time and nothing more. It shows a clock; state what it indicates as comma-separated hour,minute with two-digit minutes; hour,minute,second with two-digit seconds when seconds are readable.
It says 1,21
